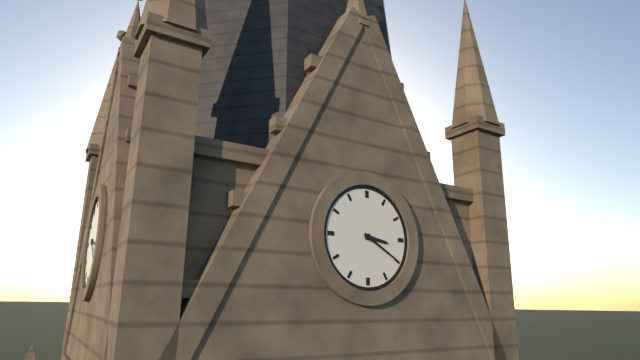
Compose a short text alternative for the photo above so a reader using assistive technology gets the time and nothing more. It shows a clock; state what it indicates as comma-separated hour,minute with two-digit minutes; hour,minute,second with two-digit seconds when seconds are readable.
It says 3,20
